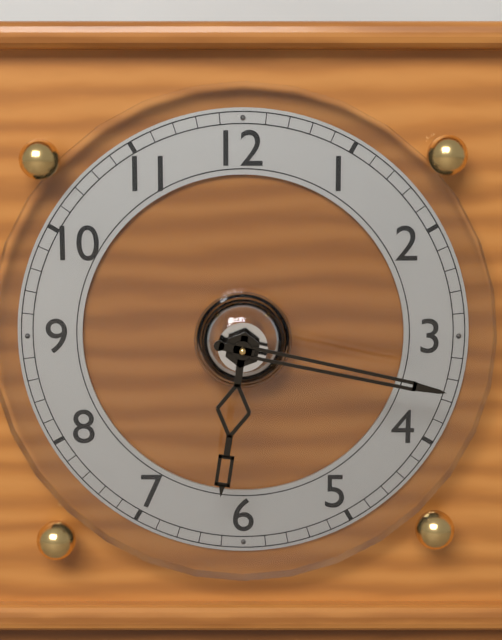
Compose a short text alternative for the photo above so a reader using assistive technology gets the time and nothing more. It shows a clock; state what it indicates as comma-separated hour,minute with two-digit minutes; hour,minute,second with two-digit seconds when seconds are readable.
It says 6,17
